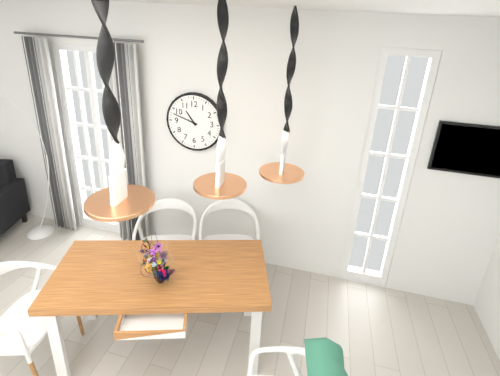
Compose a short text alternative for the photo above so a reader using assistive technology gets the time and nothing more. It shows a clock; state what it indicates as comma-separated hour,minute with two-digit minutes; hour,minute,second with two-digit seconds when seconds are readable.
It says 10,48
